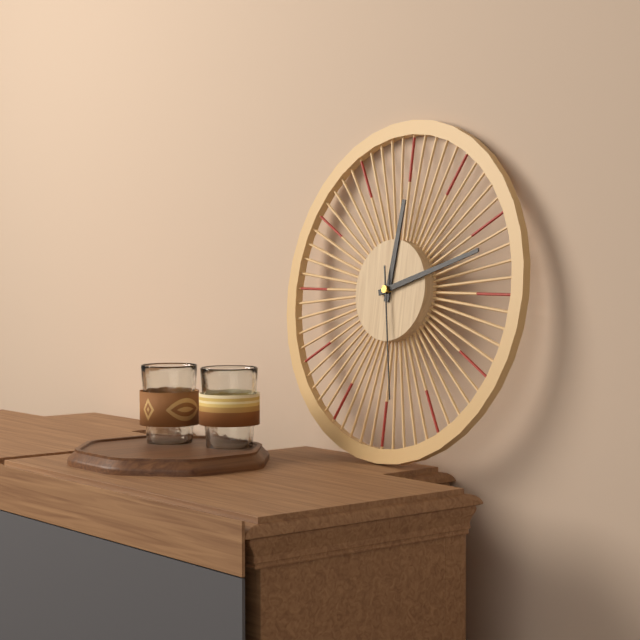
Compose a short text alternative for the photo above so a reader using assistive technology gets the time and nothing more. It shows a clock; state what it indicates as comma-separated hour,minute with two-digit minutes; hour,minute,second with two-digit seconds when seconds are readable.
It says 12,12,28
